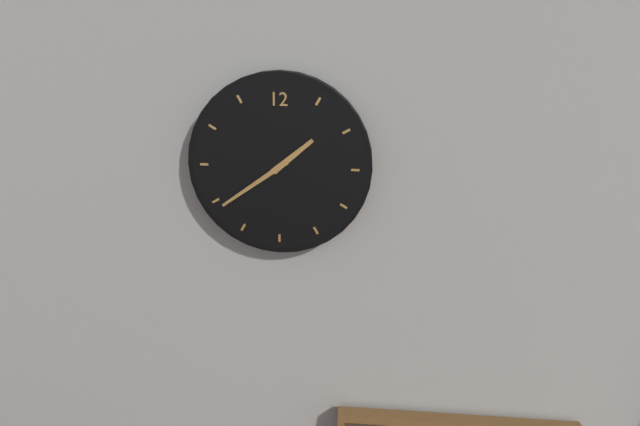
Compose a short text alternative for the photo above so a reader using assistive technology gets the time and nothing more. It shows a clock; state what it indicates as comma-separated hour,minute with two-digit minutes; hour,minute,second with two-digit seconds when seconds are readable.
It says 1,39
